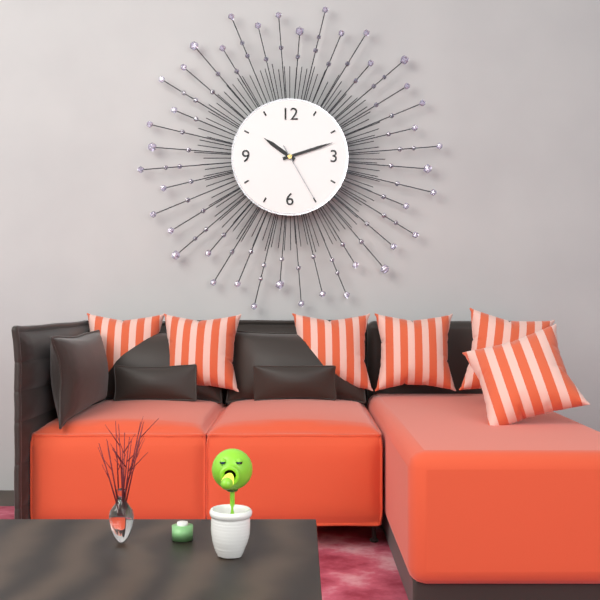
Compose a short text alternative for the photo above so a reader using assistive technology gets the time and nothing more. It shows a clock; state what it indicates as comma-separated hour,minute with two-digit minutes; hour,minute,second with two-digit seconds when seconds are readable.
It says 10,12,25
